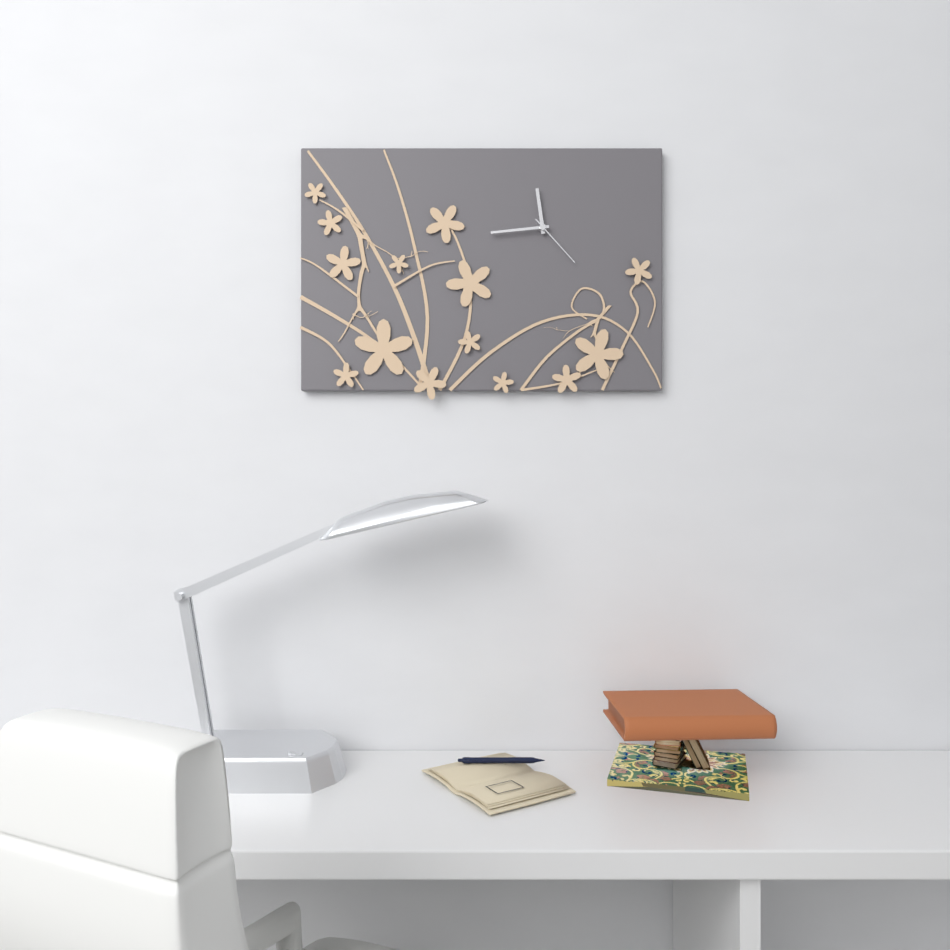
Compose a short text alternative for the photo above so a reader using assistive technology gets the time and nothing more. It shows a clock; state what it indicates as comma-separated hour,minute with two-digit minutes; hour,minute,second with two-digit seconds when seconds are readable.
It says 11,44,23
